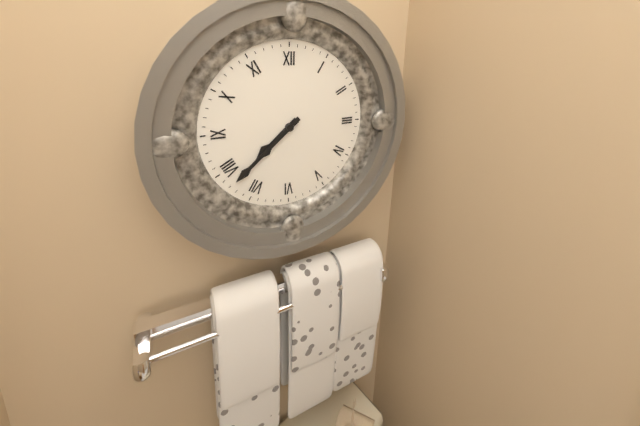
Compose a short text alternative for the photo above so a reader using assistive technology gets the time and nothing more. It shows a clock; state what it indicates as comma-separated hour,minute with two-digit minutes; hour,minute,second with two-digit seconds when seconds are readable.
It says 7,38
